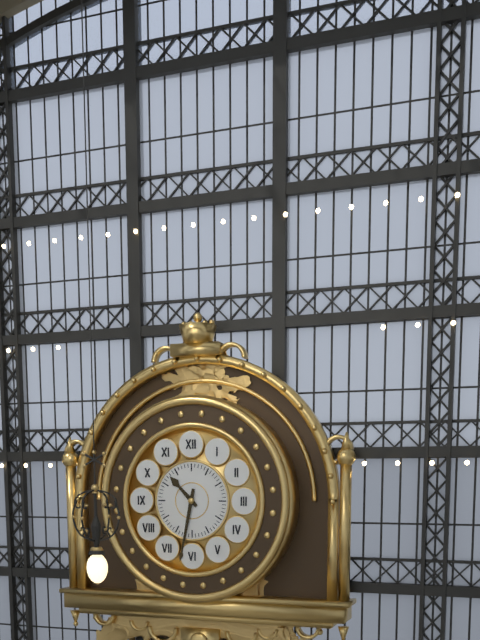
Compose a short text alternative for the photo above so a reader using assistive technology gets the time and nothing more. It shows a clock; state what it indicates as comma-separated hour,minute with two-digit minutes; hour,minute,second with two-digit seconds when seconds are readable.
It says 10,32
